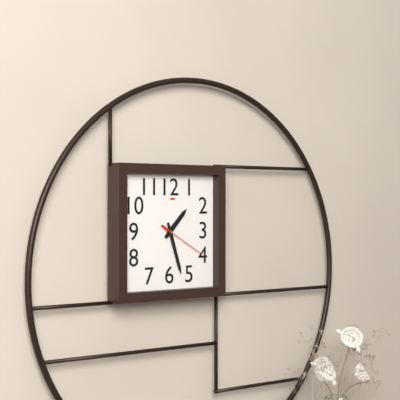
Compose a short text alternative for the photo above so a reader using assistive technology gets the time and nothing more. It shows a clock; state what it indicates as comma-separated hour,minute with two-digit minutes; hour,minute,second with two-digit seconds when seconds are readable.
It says 1,27,20
